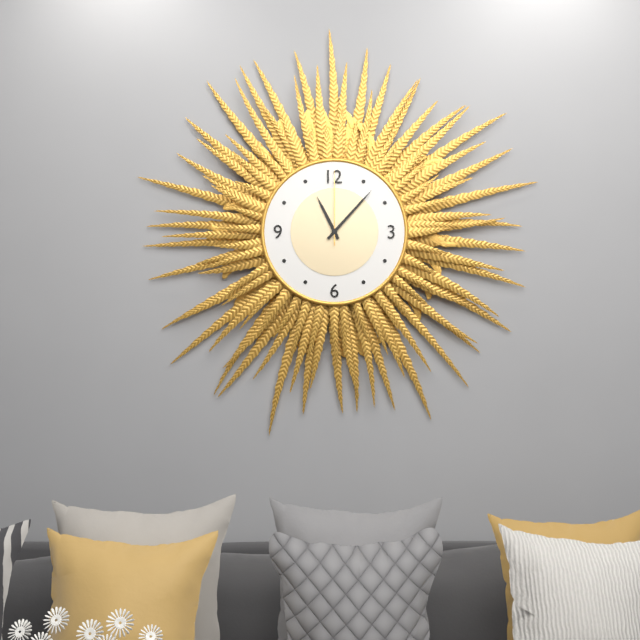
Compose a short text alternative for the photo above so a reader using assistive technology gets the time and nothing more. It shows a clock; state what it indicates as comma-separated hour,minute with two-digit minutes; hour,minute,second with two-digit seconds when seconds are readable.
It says 11,07,00
